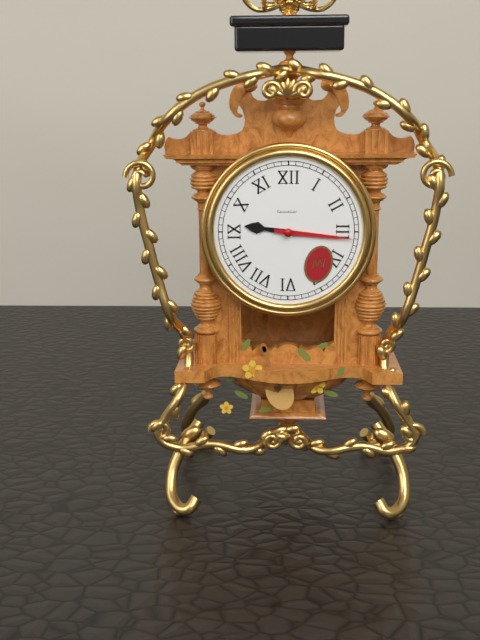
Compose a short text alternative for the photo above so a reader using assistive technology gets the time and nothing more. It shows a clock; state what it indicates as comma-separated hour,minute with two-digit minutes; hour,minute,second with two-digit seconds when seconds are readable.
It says 9,16
